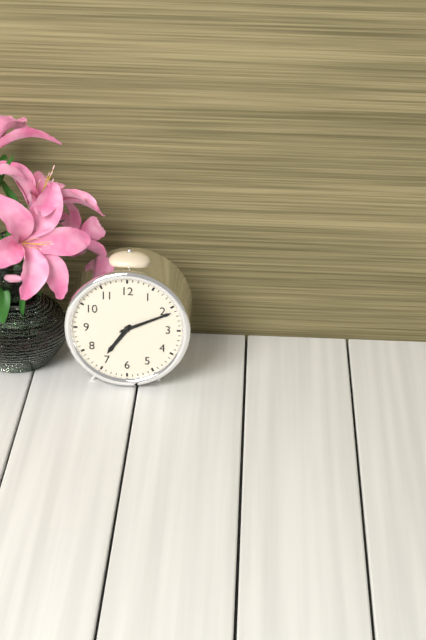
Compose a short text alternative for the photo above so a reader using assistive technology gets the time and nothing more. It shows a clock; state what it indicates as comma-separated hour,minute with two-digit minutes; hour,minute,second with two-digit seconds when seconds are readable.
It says 7,11
